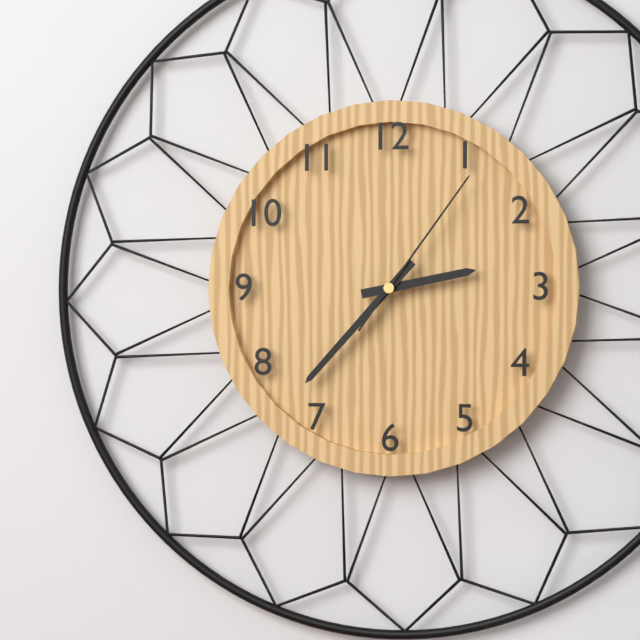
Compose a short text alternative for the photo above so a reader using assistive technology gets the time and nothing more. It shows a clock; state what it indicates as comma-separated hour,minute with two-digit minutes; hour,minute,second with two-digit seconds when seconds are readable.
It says 2,37,06
